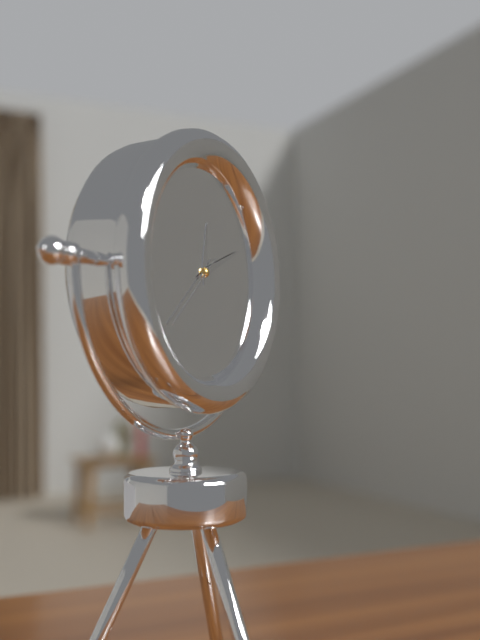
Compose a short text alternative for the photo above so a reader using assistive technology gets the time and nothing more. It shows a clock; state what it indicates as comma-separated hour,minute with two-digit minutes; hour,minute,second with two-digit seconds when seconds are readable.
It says 12,11,38
